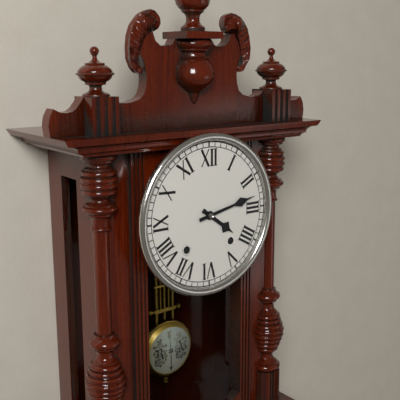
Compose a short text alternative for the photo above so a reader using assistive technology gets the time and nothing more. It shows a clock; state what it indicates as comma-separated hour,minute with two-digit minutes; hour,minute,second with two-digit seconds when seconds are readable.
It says 4,13
